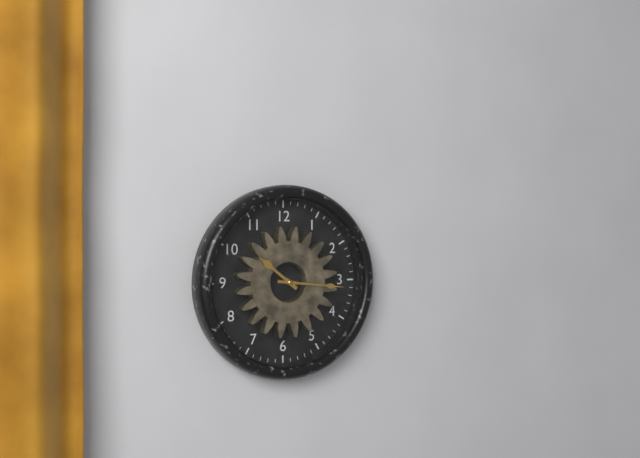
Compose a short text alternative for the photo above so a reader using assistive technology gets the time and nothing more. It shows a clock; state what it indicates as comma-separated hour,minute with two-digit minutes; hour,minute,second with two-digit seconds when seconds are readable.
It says 10,16
